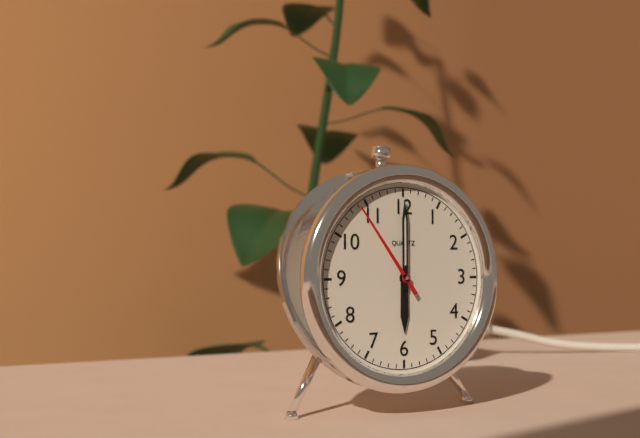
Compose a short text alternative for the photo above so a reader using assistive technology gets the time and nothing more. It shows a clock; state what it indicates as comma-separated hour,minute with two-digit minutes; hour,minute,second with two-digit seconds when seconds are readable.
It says 6,00,54
